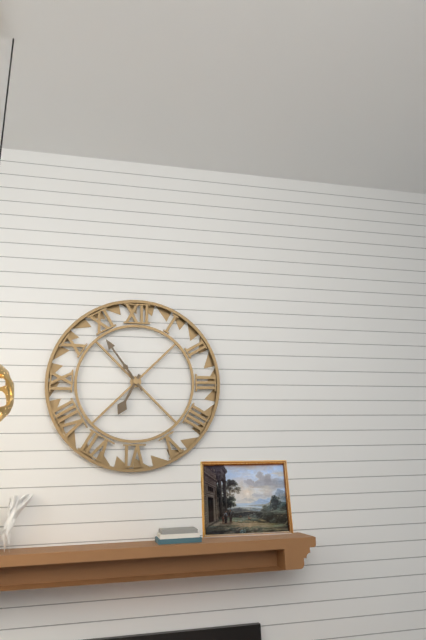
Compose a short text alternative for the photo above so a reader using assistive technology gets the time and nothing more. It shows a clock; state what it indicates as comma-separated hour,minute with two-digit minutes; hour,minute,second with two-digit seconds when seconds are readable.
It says 6,54
